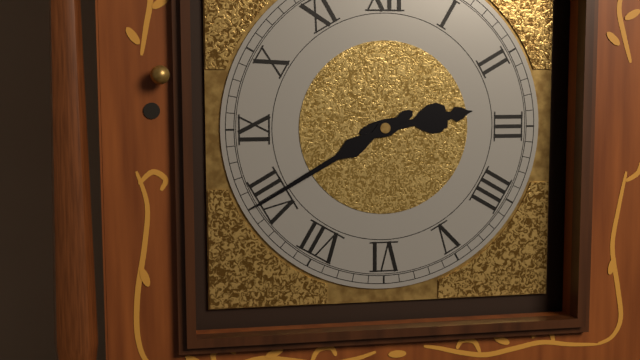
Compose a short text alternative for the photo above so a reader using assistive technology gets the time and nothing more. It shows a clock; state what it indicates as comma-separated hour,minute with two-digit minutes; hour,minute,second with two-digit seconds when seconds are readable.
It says 2,40
